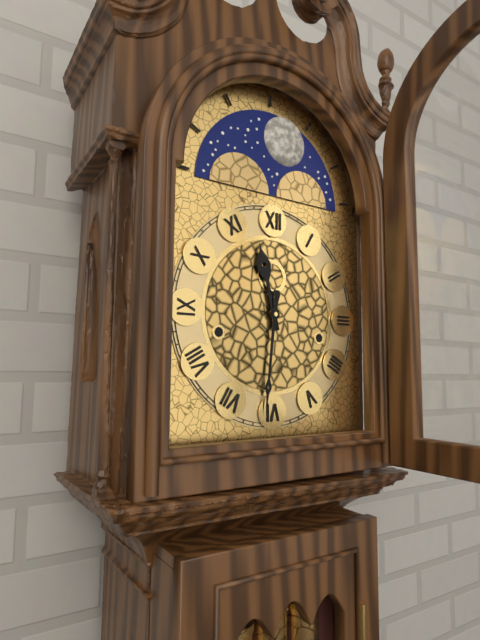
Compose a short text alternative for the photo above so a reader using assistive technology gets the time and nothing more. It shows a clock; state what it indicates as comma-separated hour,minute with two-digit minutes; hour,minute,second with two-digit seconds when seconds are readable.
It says 11,31
